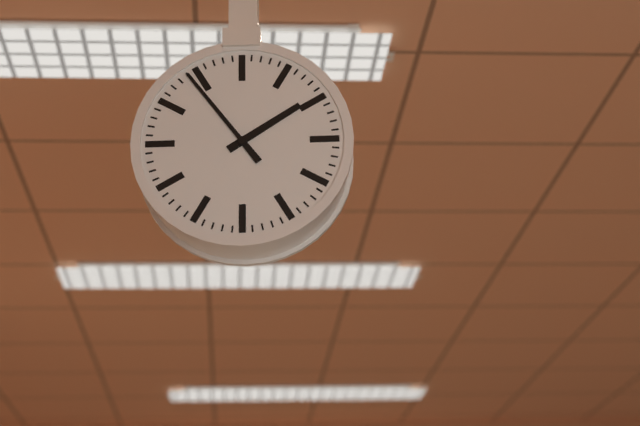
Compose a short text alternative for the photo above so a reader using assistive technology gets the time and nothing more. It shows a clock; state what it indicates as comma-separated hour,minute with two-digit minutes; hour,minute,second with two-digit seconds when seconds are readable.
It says 1,54
